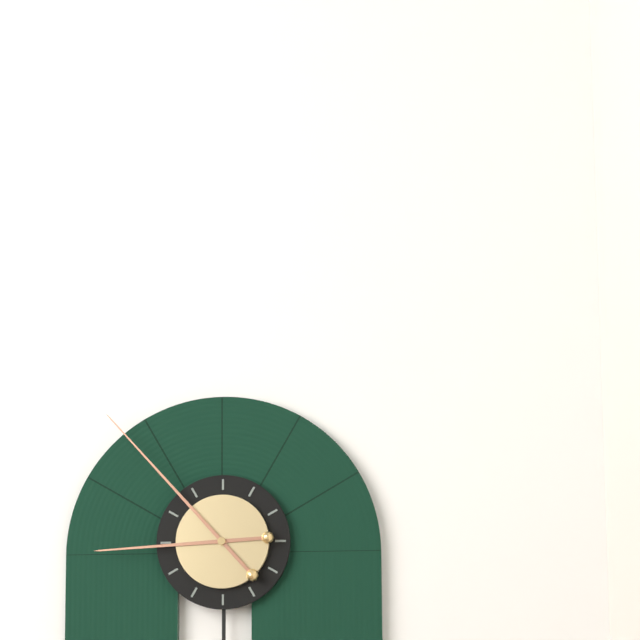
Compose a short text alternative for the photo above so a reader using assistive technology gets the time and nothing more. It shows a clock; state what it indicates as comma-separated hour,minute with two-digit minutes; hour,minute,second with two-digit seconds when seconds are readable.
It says 8,53
